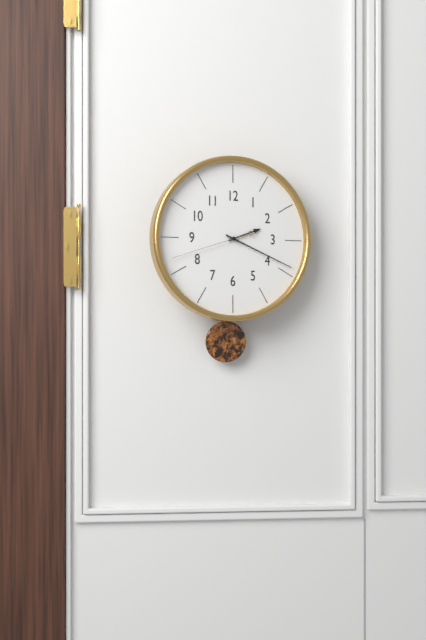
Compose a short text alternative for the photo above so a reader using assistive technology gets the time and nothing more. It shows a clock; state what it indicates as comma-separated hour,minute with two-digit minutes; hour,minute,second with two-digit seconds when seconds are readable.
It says 2,19,42
